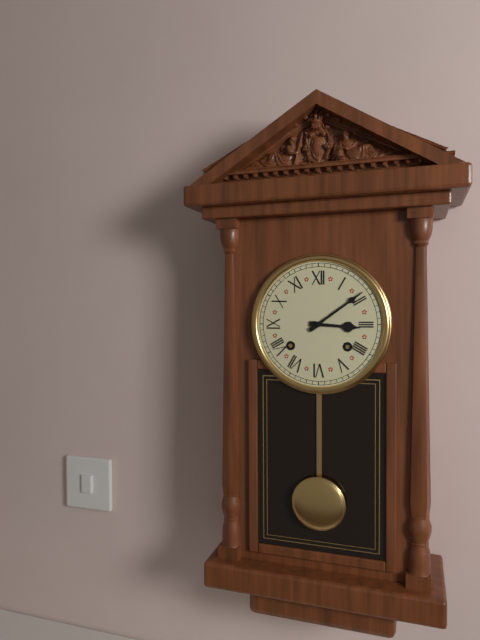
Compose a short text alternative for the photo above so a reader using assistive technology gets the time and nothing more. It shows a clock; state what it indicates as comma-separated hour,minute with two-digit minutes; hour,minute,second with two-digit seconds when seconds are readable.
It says 3,09
